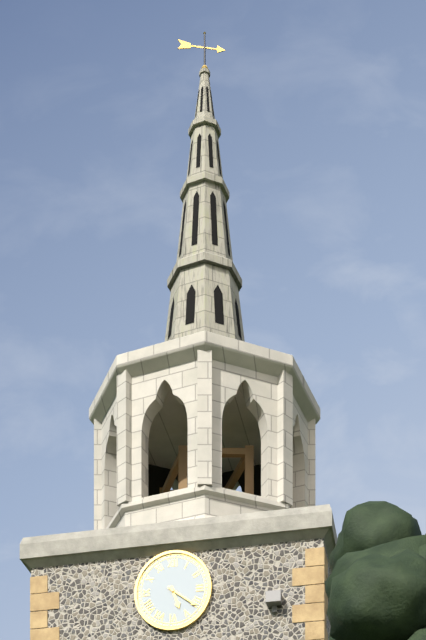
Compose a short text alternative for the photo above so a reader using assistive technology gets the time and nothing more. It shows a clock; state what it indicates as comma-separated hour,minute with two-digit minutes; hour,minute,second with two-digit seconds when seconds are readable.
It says 5,21
